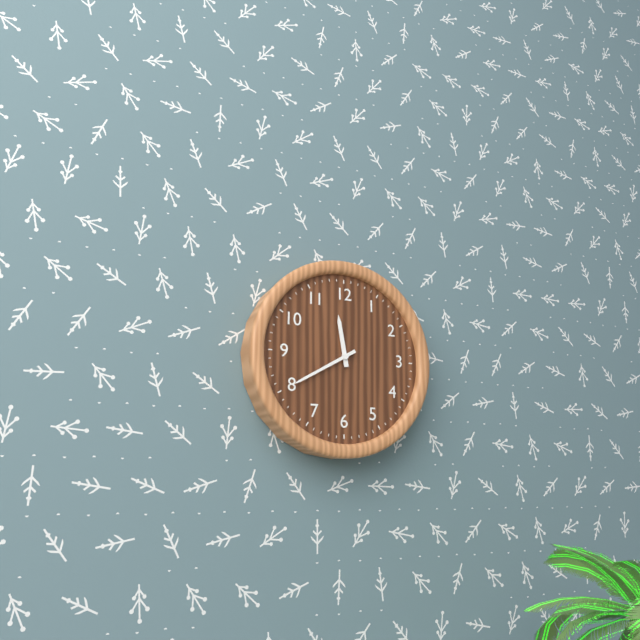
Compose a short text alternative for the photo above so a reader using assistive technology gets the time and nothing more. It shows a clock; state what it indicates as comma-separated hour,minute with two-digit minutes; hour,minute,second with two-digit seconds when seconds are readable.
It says 11,40
